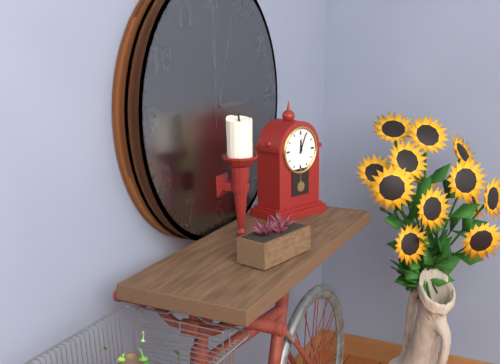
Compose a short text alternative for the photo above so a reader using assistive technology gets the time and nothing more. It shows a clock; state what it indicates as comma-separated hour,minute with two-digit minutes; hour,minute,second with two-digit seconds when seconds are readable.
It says 12,04
